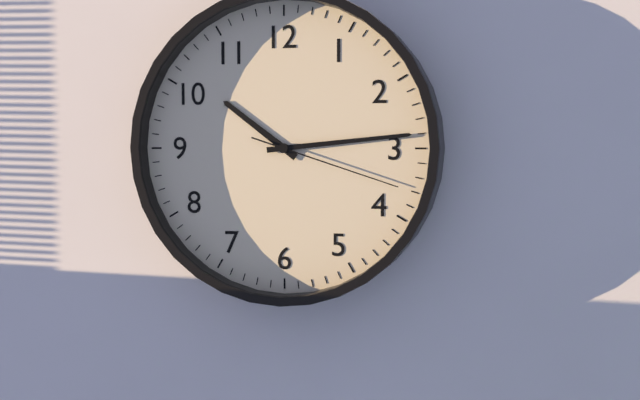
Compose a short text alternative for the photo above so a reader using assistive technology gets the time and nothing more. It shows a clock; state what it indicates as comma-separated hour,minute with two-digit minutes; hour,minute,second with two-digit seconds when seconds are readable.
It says 10,14,18
